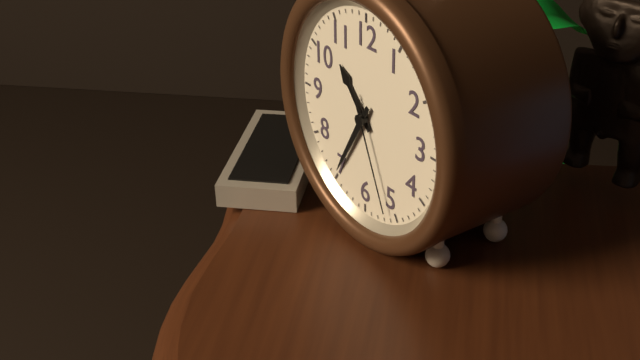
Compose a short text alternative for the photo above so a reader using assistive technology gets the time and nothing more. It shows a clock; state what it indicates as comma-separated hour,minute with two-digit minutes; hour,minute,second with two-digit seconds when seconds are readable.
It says 10,35,26
